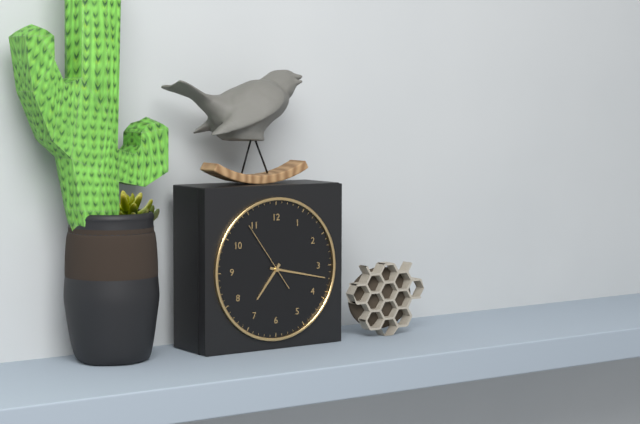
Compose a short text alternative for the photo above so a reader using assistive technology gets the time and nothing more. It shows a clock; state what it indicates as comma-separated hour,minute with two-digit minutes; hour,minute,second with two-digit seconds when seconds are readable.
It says 7,17,54
